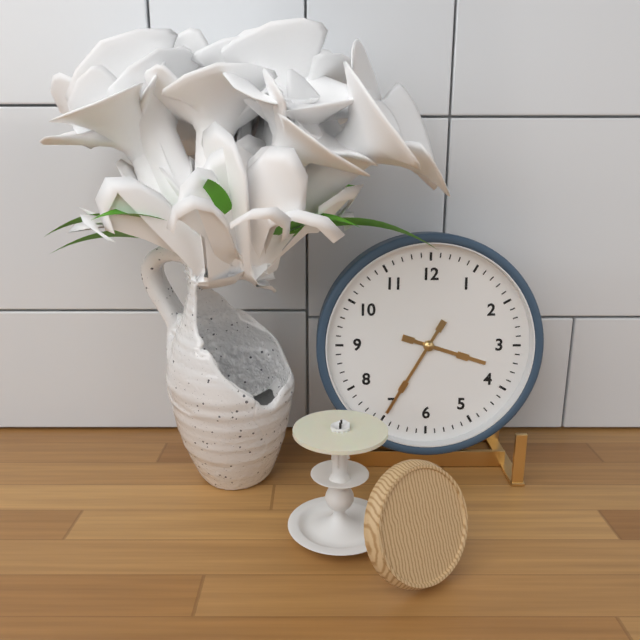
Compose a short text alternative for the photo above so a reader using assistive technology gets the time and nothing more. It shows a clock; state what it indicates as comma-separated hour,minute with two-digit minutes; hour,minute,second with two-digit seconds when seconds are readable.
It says 3,35
